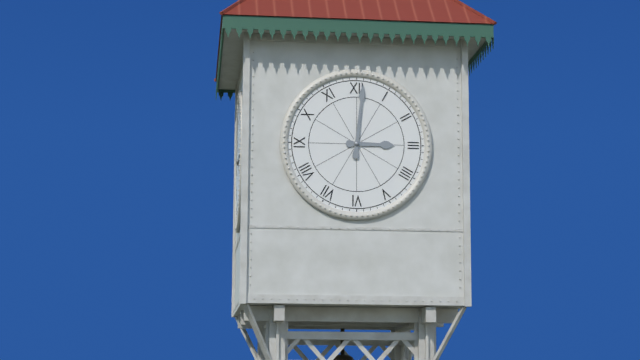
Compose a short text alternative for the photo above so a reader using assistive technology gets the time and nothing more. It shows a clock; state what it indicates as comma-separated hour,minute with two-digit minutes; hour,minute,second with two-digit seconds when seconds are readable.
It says 3,01
